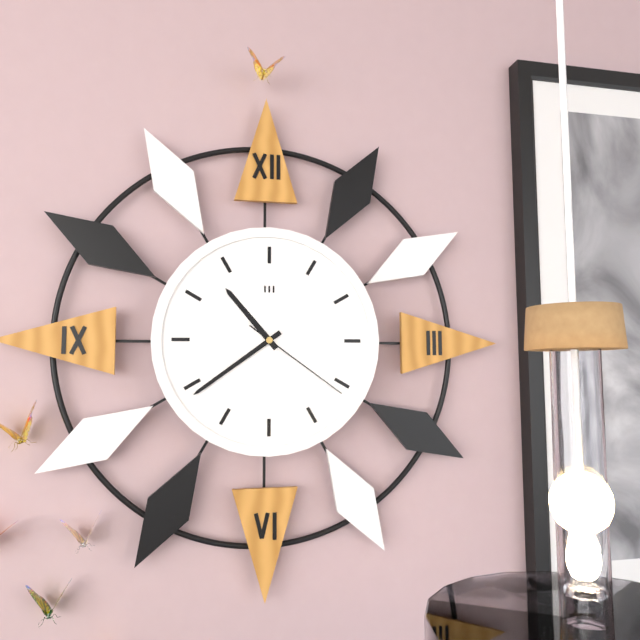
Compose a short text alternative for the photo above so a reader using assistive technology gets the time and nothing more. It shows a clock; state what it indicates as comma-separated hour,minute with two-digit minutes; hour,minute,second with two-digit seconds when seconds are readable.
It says 10,39,21
